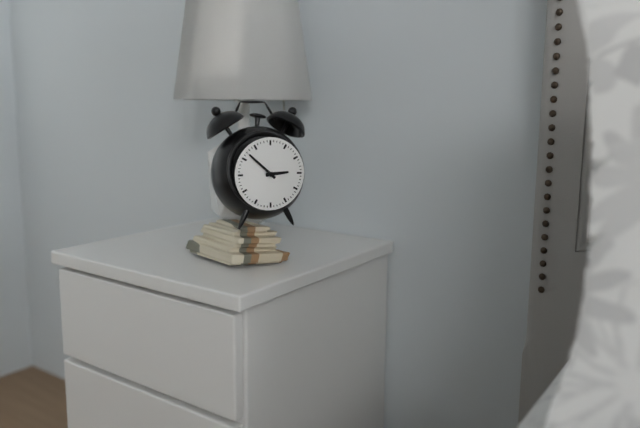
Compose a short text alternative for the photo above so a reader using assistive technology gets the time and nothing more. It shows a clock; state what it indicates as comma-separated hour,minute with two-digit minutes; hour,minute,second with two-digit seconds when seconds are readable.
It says 2,52
